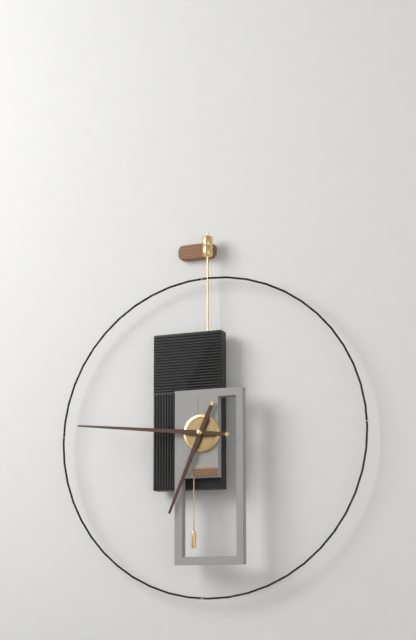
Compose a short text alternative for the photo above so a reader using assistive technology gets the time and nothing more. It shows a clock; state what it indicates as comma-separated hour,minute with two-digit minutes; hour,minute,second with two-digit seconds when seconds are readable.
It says 6,46
